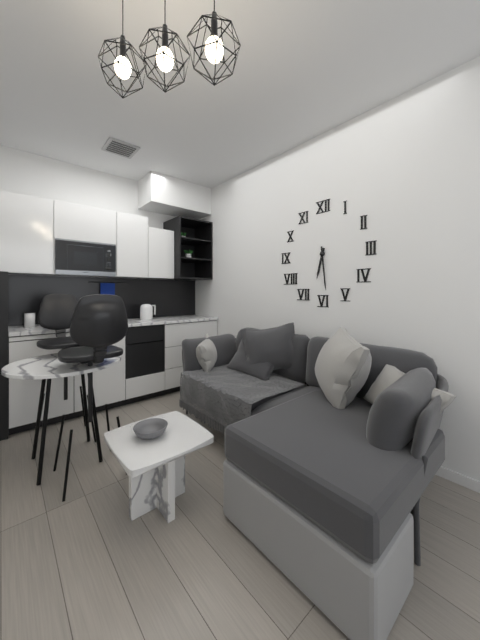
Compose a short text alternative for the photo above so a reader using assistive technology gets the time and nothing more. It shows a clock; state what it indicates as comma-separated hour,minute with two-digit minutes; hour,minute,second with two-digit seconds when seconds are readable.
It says 6,29
